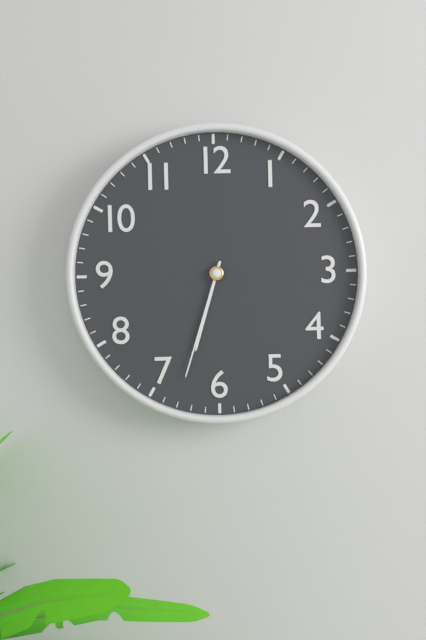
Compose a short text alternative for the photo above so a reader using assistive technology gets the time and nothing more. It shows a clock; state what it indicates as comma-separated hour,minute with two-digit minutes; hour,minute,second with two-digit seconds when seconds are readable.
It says 6,33
